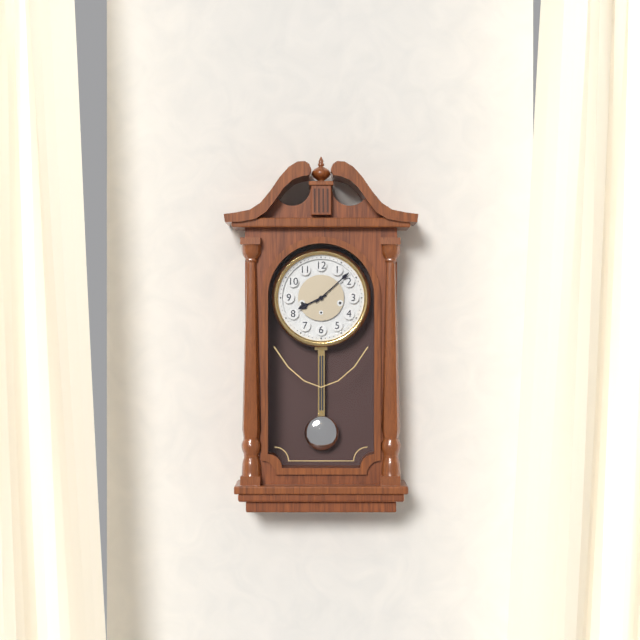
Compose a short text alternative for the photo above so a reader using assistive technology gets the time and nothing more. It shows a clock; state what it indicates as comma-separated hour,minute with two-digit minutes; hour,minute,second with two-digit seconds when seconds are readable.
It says 8,08
